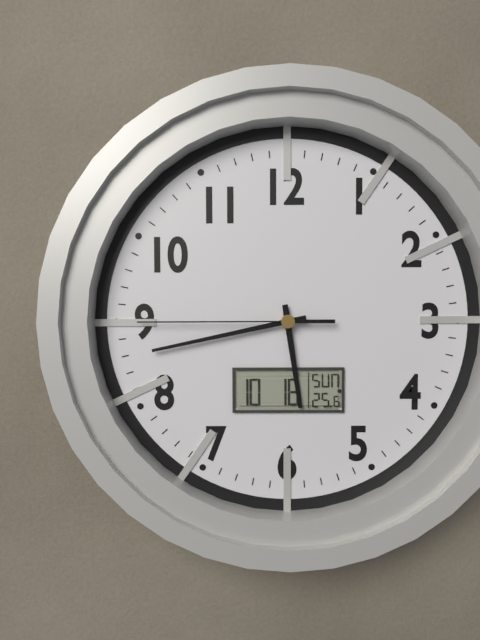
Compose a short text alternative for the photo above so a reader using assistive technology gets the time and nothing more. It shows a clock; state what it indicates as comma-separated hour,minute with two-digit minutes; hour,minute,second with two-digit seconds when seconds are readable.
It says 5,43,45
